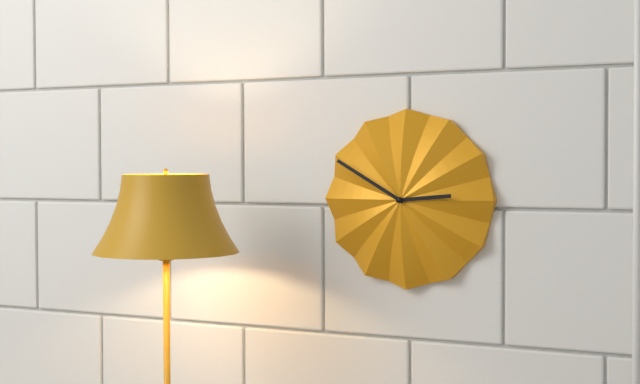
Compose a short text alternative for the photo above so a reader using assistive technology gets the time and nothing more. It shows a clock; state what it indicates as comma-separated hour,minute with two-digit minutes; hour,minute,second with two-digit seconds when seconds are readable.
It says 2,50
